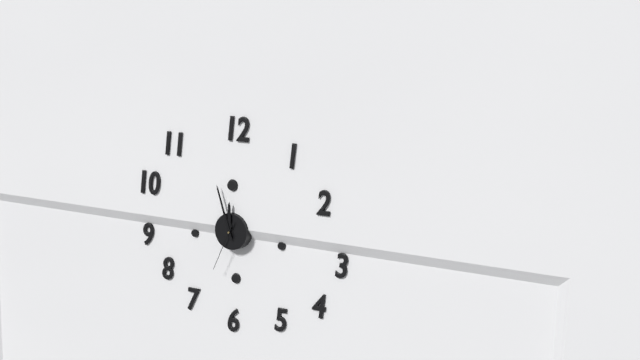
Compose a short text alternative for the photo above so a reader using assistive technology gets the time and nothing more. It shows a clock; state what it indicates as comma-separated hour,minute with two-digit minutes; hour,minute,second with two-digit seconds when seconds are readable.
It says 11,57,34
